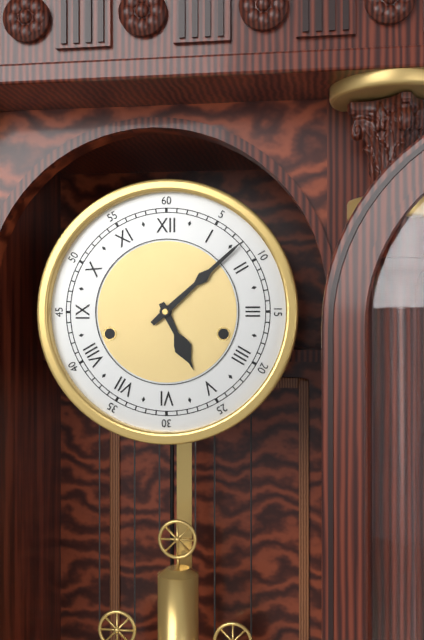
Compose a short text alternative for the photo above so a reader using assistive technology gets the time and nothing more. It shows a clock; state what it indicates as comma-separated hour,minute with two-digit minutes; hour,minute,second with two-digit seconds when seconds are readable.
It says 5,08
